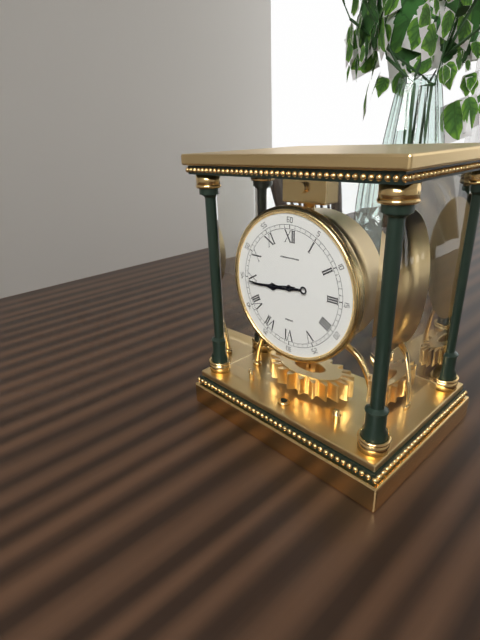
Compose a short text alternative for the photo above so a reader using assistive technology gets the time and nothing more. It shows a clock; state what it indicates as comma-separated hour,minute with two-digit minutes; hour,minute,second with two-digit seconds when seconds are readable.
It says 8,44
